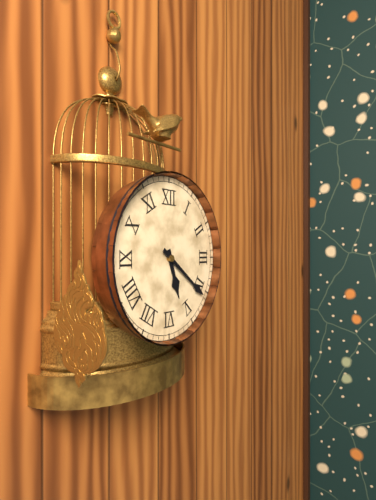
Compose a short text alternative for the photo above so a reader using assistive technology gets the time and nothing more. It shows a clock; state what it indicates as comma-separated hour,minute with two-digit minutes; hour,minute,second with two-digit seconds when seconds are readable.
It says 5,21
